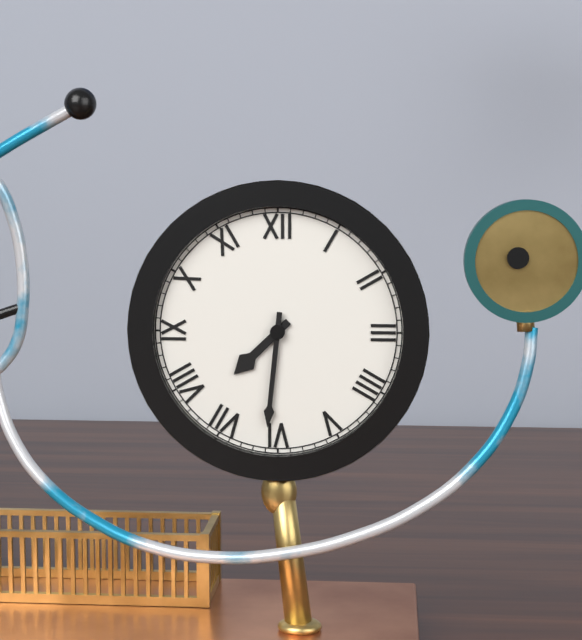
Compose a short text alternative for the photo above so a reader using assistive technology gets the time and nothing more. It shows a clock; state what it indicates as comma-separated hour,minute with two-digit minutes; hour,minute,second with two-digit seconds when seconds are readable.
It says 7,31
